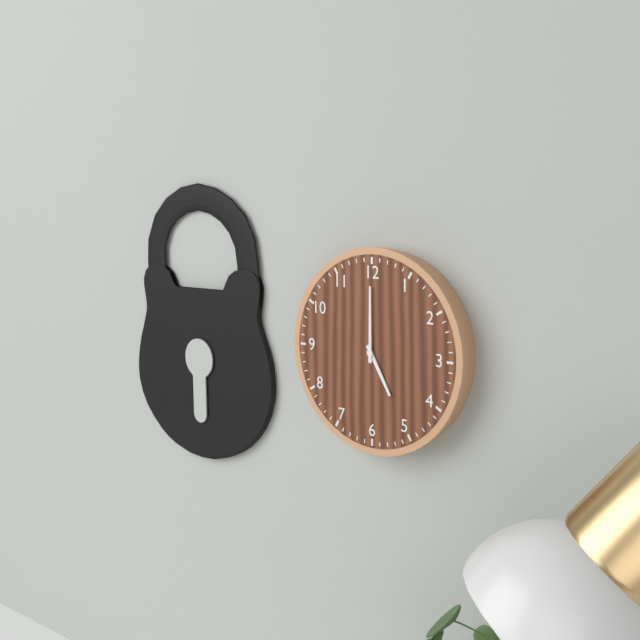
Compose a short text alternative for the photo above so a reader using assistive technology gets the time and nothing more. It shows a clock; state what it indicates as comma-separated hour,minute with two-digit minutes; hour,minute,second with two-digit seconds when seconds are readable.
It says 5,00
